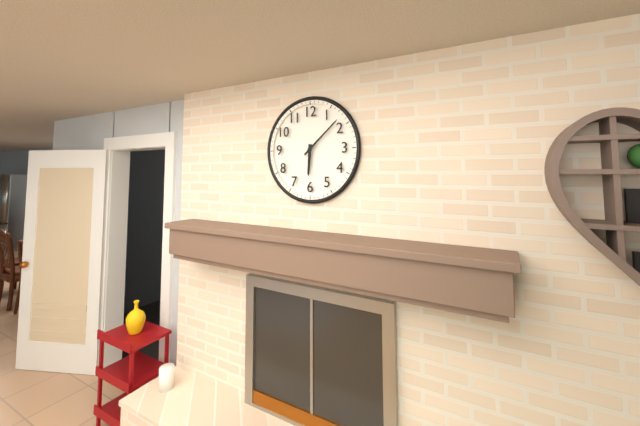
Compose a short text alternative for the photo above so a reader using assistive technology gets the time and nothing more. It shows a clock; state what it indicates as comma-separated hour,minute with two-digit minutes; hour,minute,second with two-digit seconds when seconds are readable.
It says 6,08
